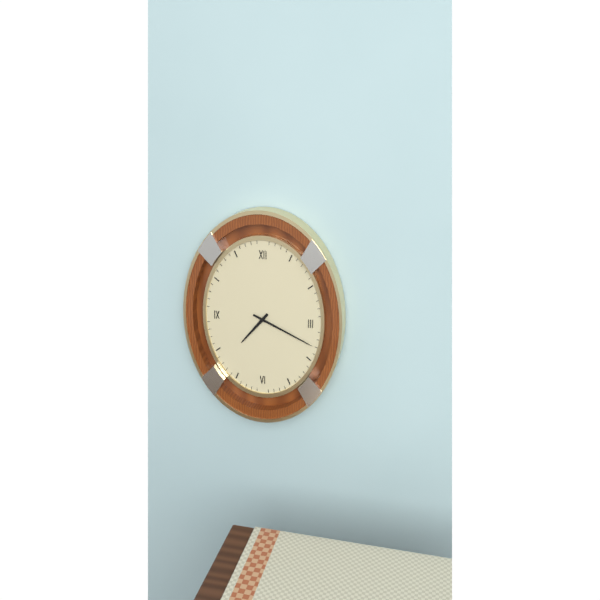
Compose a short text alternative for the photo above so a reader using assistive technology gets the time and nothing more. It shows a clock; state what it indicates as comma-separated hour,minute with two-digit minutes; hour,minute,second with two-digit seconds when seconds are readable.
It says 7,19
